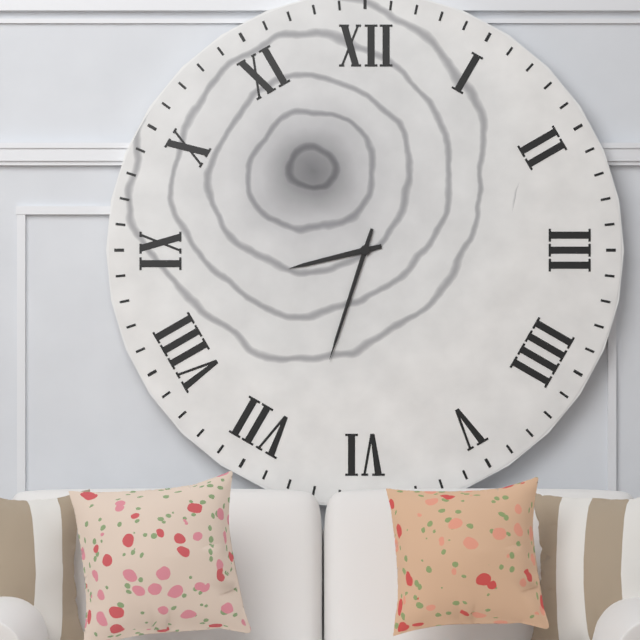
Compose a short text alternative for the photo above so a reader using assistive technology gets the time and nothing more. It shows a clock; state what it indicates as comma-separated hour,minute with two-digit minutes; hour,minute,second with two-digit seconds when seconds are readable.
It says 8,33
